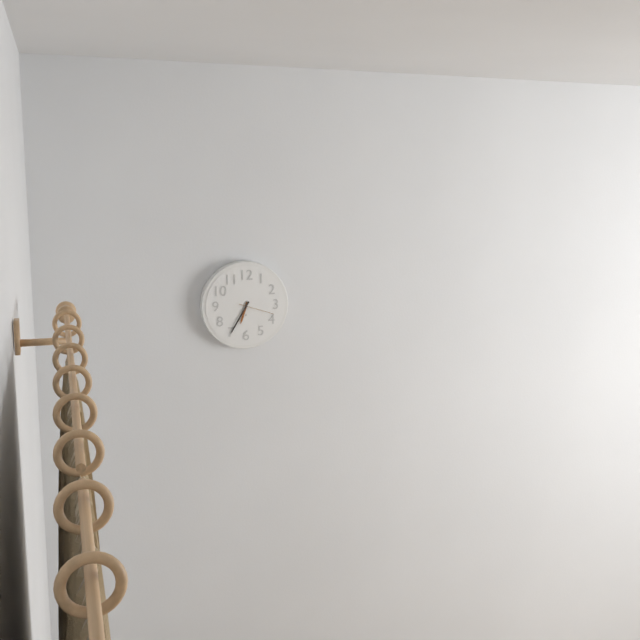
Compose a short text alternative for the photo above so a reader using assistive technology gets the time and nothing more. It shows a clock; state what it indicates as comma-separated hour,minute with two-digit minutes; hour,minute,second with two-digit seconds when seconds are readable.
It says 6,35
